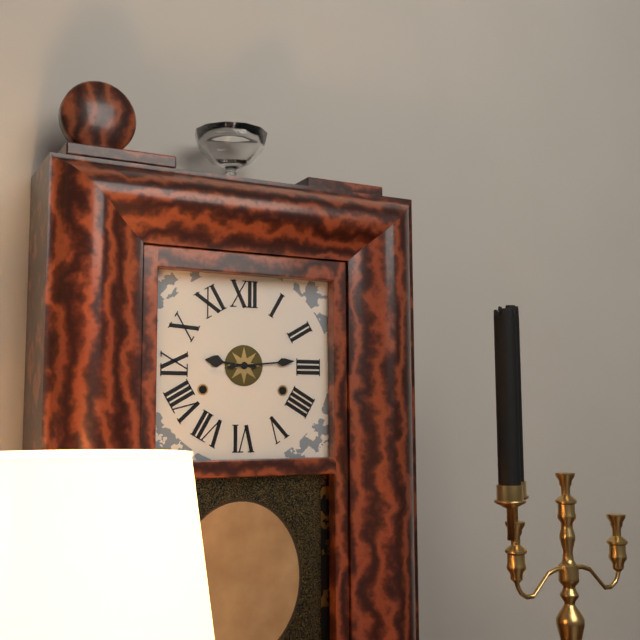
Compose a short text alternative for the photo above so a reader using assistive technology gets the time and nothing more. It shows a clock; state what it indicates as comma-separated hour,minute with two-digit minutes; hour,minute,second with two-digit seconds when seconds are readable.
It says 9,14
